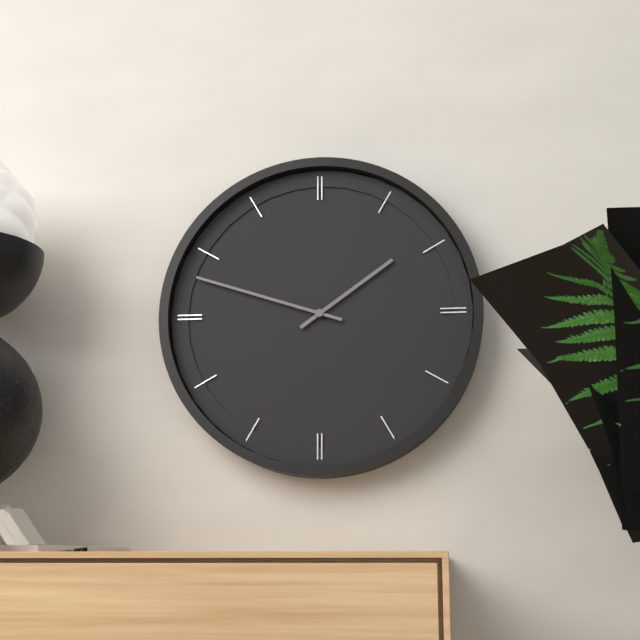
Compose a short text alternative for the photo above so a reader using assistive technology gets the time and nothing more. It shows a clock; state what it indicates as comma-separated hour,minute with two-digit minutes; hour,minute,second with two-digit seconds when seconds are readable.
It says 1,48
